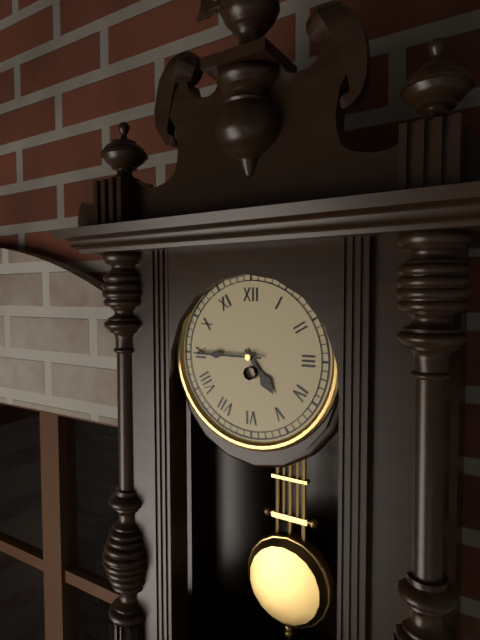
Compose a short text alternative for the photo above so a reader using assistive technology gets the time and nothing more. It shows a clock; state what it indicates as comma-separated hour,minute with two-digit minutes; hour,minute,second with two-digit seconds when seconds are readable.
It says 4,45
